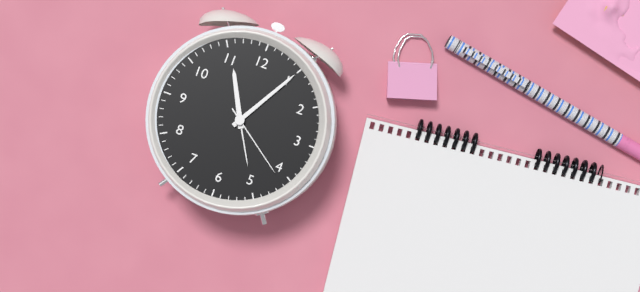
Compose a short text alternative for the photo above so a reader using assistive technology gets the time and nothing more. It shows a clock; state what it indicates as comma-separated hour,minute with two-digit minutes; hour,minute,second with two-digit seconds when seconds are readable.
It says 11,05,21
